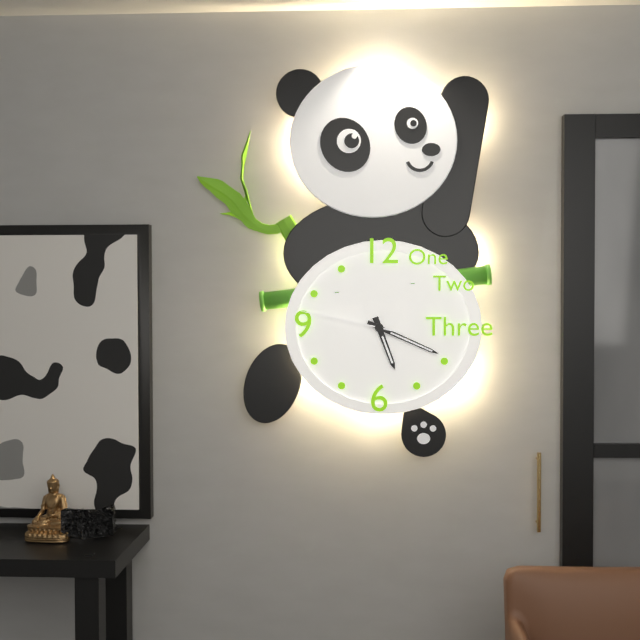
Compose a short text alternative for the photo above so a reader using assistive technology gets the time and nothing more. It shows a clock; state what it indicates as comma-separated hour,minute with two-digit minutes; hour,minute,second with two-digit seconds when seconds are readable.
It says 5,19,47
